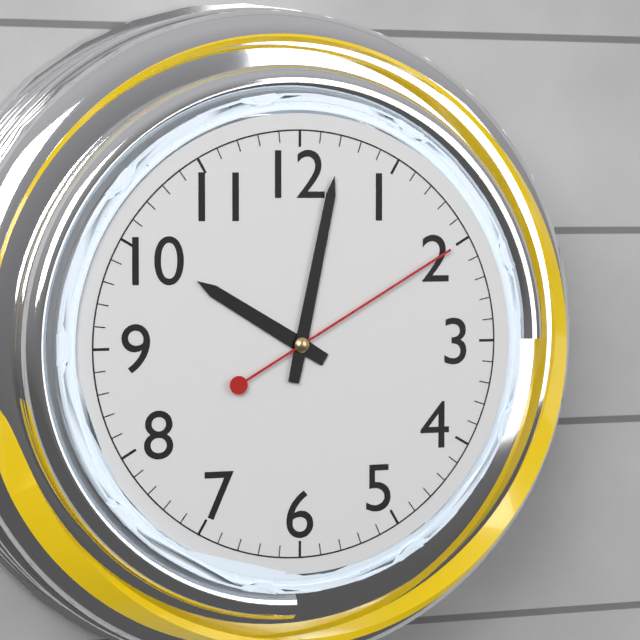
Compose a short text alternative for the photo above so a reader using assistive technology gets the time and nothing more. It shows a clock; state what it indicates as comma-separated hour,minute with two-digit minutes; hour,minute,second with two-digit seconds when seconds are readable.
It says 10,02,10
